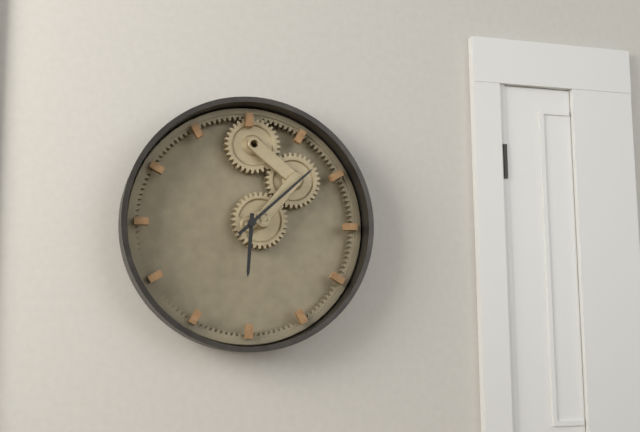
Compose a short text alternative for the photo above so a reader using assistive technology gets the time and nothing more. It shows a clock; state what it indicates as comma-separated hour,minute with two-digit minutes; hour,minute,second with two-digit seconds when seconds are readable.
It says 6,08
